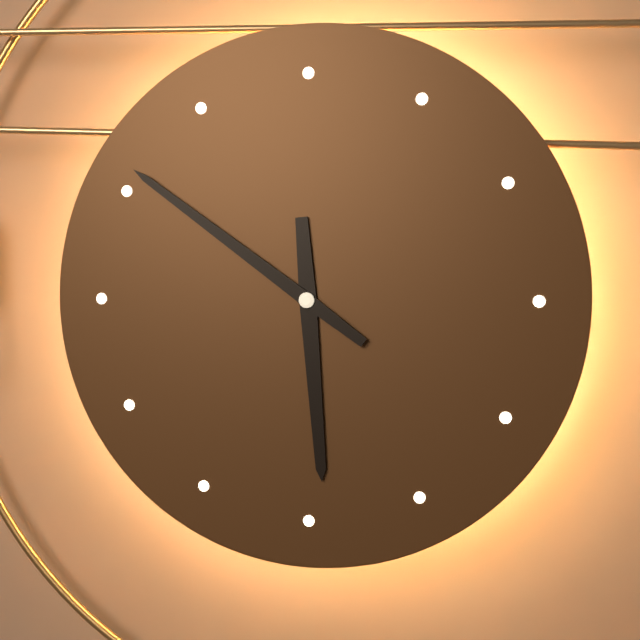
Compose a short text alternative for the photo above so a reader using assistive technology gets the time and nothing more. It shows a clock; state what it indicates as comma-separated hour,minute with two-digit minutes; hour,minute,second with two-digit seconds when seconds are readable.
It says 5,51
